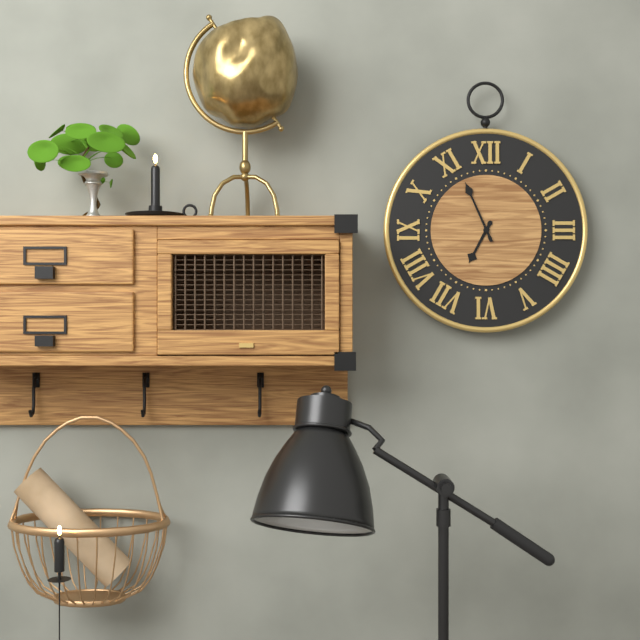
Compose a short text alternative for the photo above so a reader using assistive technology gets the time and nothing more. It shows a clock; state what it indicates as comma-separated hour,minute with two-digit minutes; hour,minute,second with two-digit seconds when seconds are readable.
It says 6,56
